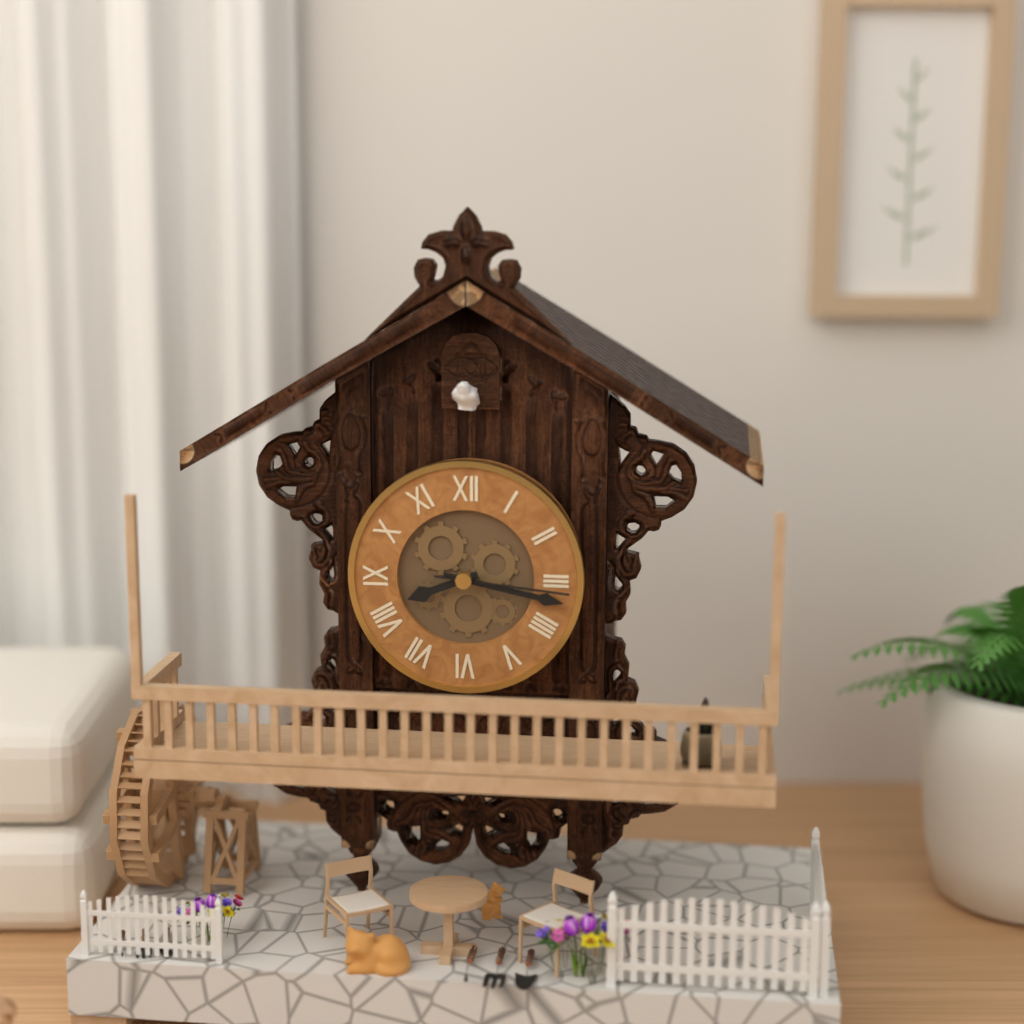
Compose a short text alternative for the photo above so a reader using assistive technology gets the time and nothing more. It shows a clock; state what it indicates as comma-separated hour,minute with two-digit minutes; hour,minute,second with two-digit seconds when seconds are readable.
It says 8,17,16
